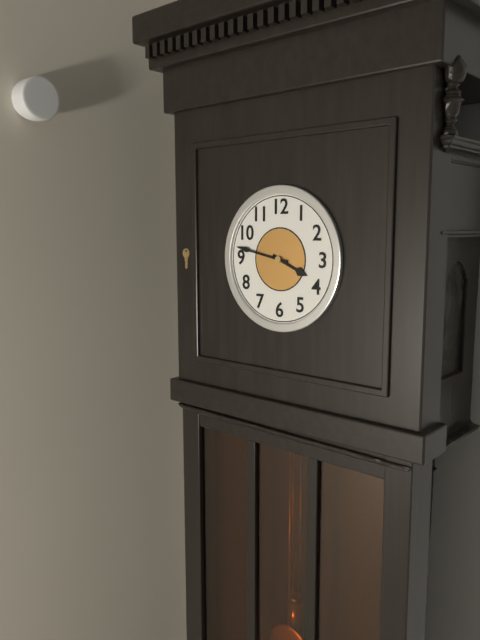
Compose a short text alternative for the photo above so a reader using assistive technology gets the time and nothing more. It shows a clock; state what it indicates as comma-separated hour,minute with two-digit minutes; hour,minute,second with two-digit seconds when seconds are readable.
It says 3,47
